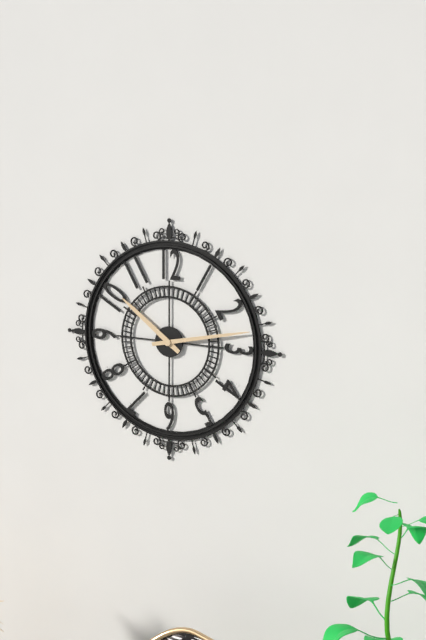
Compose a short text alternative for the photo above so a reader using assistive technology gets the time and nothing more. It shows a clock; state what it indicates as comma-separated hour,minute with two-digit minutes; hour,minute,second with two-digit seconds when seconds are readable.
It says 10,13
